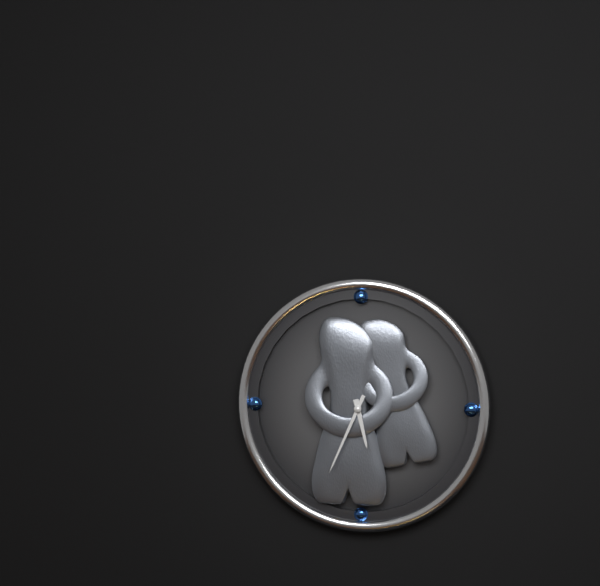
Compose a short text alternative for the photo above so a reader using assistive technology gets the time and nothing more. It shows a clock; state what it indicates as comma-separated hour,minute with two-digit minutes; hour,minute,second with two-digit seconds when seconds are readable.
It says 5,34
